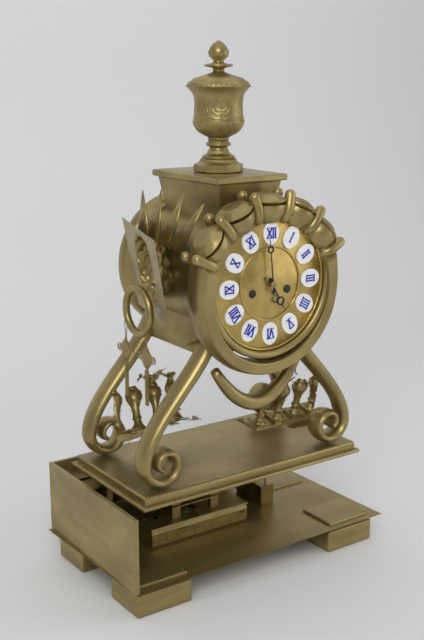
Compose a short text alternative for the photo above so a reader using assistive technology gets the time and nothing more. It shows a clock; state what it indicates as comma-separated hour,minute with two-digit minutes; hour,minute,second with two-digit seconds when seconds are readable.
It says 4,59
